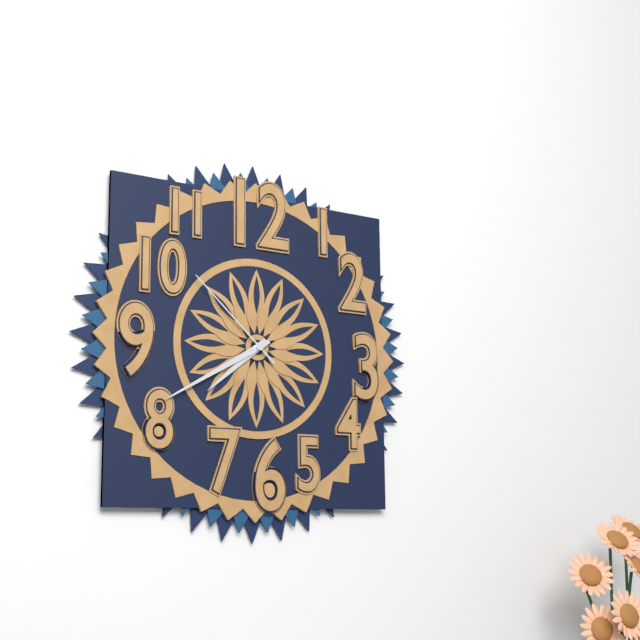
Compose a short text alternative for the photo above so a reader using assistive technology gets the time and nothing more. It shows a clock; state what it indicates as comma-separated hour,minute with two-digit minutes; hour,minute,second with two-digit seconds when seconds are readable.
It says 7,40,52
